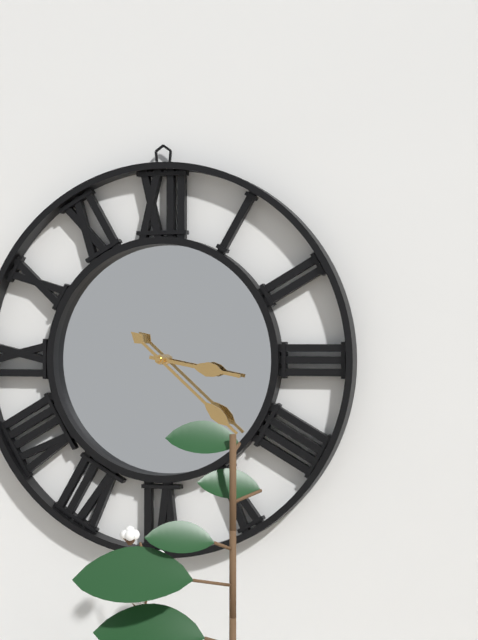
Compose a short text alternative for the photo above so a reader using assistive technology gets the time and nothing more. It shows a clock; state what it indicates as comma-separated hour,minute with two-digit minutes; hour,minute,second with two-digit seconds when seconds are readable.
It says 3,22
